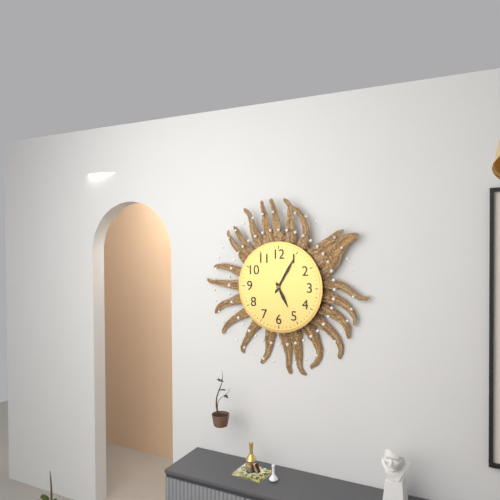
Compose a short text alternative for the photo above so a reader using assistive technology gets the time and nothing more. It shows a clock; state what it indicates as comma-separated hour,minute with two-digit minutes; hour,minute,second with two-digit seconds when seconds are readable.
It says 5,05
